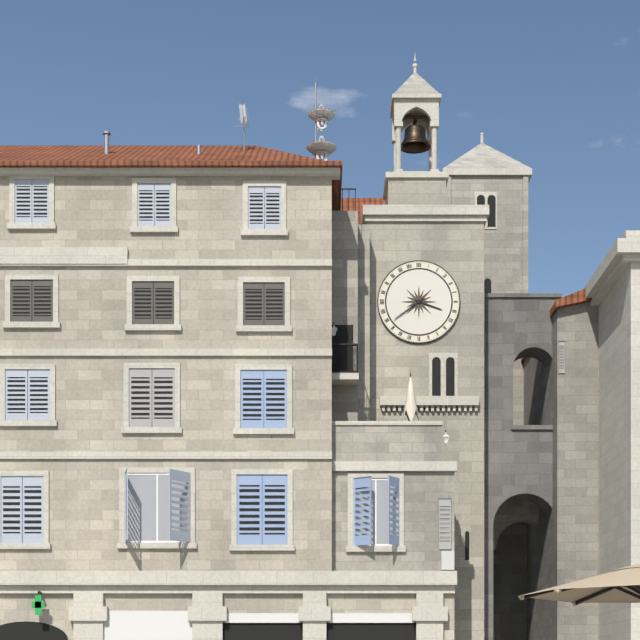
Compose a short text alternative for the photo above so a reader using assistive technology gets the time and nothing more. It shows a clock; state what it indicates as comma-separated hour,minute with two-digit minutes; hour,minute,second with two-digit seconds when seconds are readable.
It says 3,39
